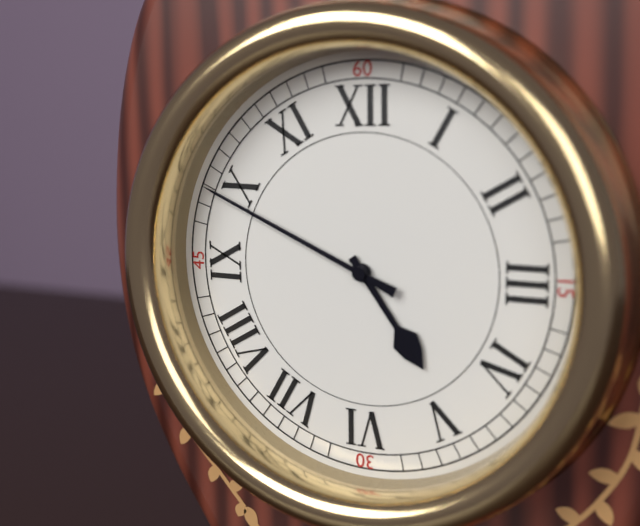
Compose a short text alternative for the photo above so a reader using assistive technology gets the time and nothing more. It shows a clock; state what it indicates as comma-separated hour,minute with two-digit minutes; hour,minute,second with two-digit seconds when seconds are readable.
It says 4,49
